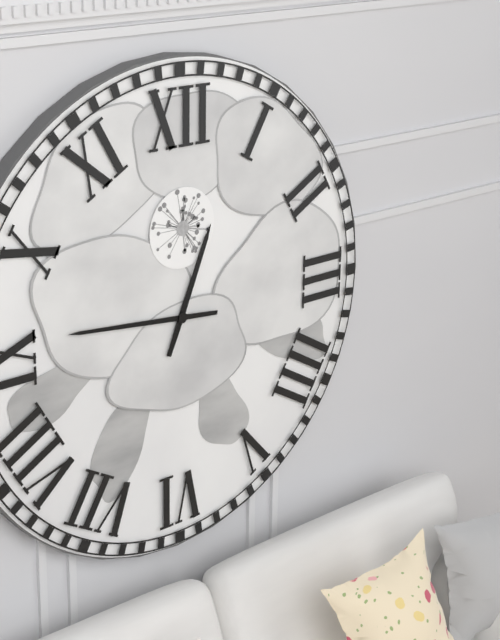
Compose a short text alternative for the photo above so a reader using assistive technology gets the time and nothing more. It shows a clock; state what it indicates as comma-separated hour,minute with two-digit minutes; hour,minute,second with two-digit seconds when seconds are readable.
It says 12,46
